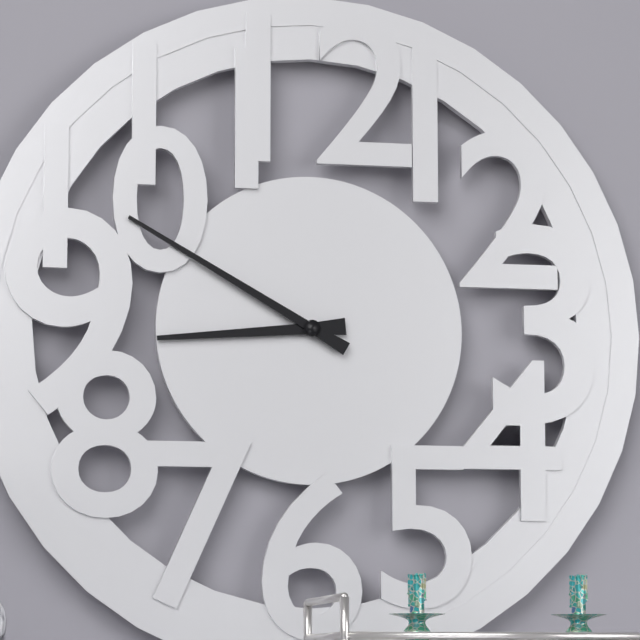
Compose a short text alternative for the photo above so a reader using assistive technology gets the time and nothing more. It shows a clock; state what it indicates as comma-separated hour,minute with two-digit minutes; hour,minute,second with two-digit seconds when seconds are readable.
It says 8,50
